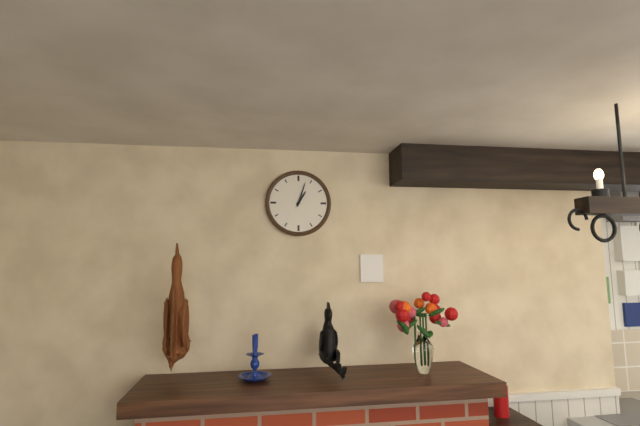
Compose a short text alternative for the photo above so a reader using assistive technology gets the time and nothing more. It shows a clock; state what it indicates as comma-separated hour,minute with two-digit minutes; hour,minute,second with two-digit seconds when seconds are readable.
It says 1,03
